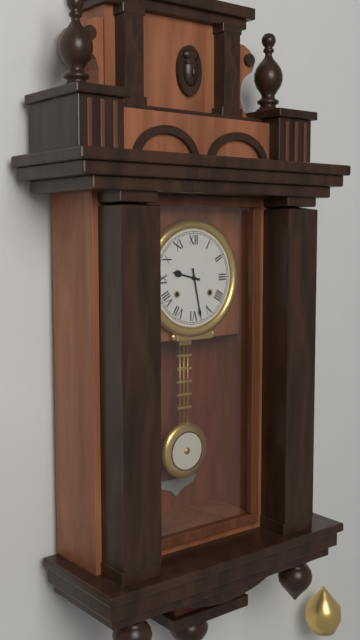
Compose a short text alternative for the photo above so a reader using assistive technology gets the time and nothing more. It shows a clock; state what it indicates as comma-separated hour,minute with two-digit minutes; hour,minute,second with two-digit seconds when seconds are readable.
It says 9,28
